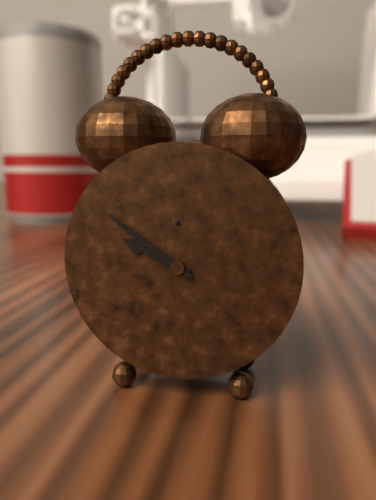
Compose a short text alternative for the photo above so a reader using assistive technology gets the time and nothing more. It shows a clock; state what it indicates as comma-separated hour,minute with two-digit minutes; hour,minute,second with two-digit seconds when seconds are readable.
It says 9,51
